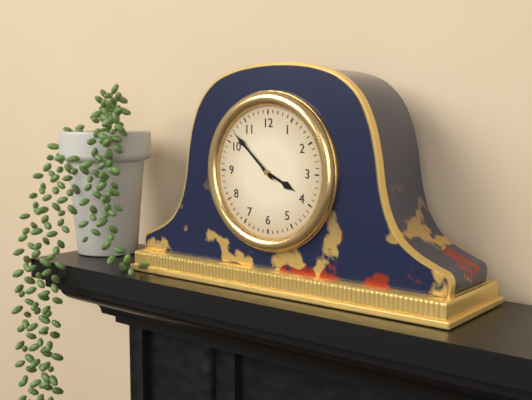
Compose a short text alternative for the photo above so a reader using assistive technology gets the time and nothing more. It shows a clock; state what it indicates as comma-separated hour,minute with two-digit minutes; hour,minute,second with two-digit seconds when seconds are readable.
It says 3,52
